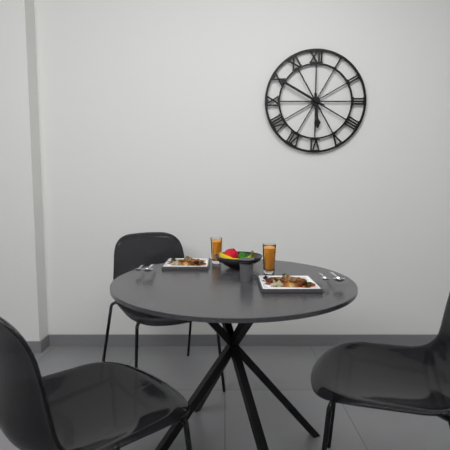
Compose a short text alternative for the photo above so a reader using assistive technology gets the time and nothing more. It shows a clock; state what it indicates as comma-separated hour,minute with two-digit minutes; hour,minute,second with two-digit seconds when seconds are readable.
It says 5,50
